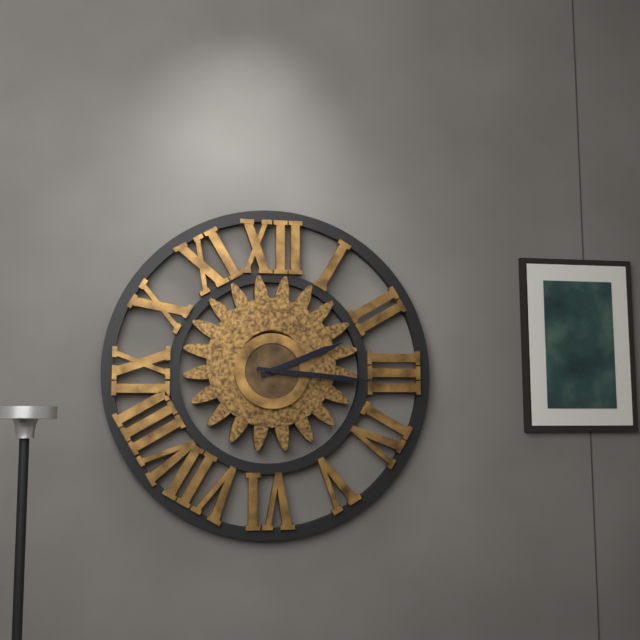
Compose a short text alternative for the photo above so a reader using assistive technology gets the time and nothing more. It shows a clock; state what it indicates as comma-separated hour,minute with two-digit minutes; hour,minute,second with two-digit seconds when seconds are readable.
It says 2,16
